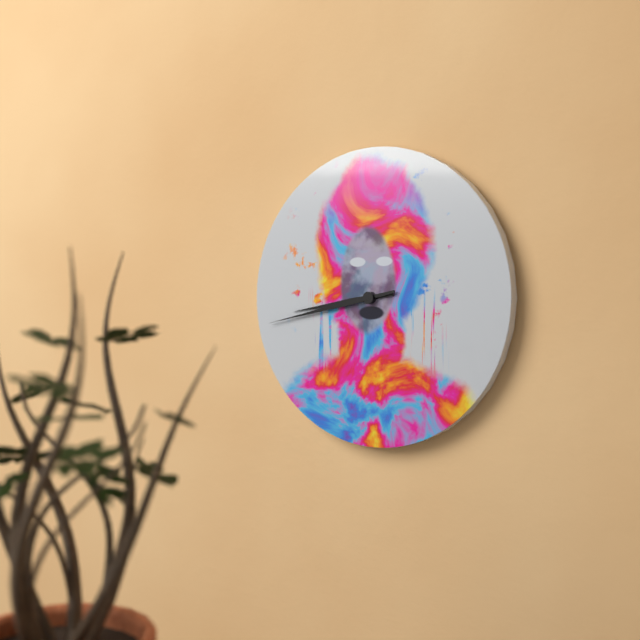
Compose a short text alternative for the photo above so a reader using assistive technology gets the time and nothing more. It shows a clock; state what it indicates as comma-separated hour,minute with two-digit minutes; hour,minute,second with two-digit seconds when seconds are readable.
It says 8,43
